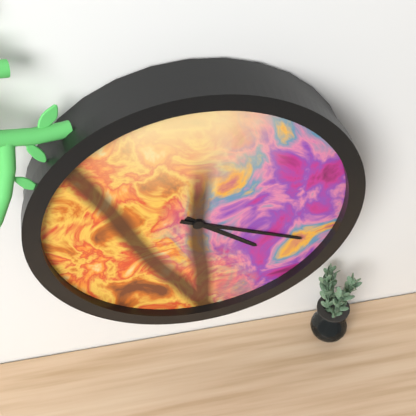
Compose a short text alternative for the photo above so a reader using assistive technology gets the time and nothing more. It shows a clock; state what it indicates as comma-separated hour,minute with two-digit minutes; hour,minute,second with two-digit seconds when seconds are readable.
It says 4,19
